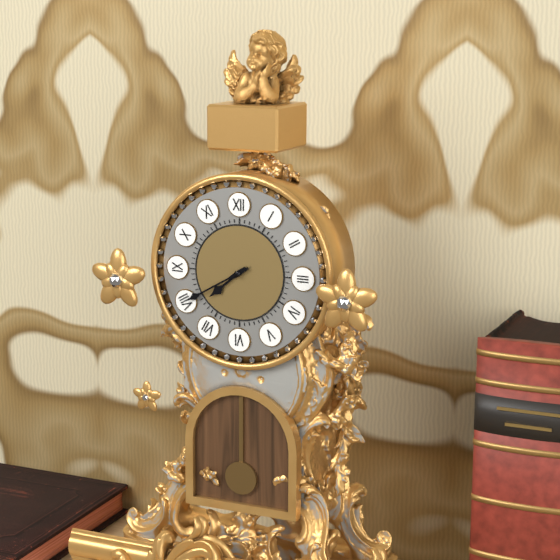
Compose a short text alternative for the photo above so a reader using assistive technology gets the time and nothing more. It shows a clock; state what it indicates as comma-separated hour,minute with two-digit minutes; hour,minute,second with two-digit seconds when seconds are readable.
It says 7,40
